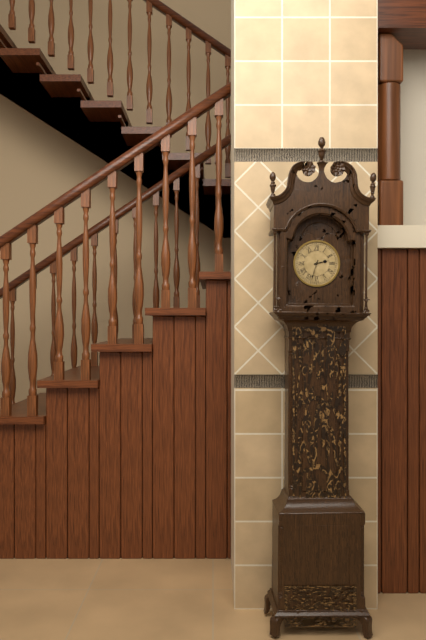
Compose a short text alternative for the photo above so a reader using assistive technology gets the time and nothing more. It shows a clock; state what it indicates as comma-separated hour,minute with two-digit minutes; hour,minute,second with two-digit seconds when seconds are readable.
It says 2,33
